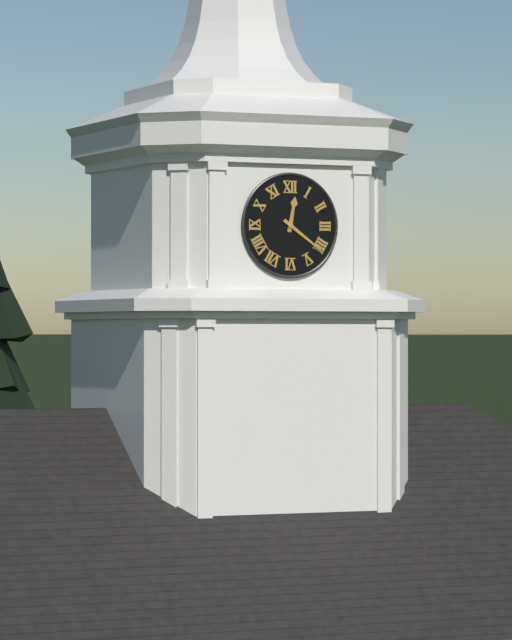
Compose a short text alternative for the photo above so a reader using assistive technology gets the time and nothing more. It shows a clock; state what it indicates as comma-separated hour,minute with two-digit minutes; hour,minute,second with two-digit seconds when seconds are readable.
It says 12,21
